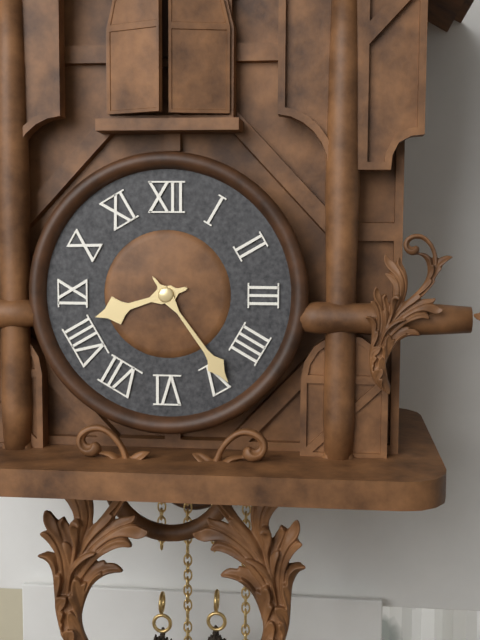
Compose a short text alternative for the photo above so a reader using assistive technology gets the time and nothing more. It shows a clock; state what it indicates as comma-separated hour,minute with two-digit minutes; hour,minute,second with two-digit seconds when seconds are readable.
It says 8,24
